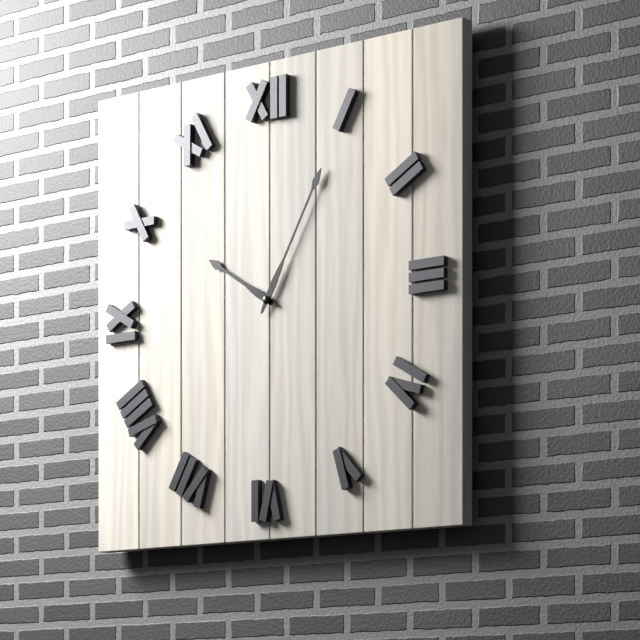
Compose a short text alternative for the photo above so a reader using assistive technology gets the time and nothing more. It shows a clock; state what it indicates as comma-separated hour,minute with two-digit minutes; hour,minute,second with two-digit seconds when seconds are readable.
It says 10,05
